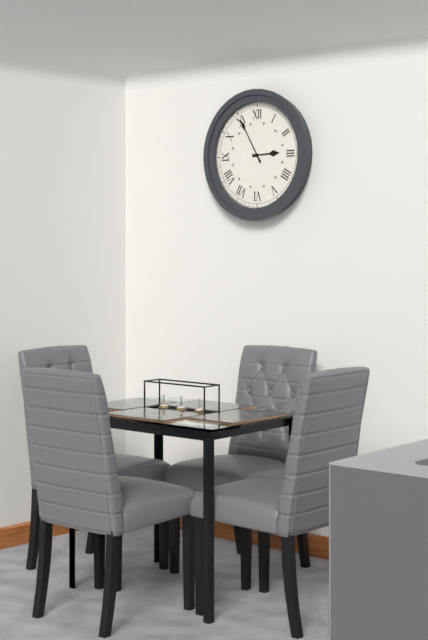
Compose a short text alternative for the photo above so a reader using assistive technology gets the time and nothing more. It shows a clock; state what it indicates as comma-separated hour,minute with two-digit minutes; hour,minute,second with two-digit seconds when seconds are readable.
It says 2,55
